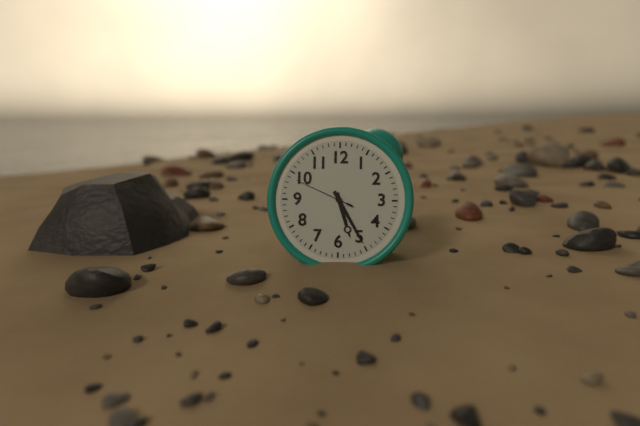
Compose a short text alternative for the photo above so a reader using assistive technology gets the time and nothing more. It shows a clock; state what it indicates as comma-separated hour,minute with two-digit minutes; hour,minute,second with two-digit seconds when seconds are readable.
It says 5,25,49
